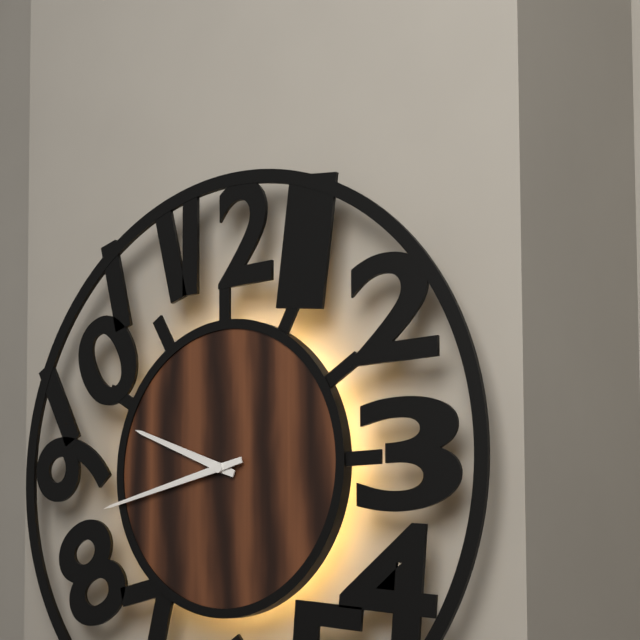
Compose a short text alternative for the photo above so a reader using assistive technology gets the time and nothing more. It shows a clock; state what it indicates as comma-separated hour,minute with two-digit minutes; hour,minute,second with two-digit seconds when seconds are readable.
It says 9,43
